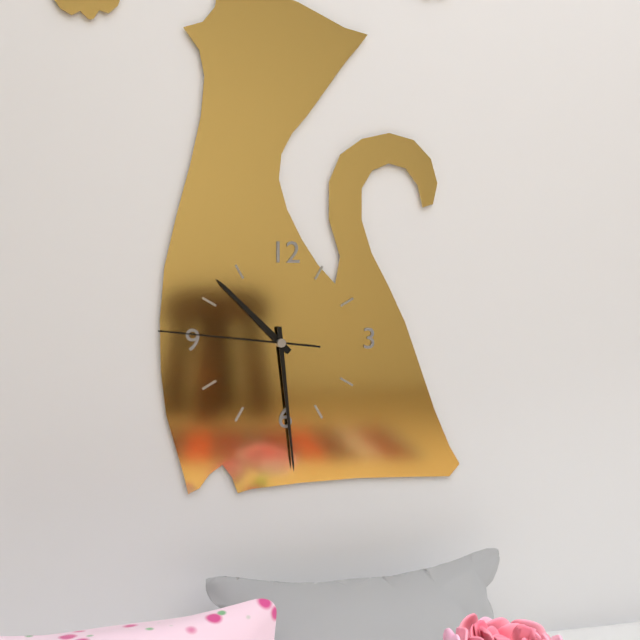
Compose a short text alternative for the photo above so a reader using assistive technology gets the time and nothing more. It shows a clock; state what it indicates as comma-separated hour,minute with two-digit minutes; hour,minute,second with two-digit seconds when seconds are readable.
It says 10,29,46
